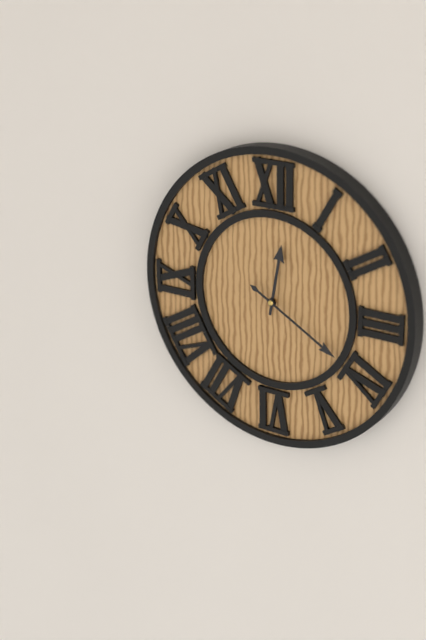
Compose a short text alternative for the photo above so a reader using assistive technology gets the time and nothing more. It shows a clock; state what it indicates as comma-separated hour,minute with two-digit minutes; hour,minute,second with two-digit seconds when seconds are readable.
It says 12,20
